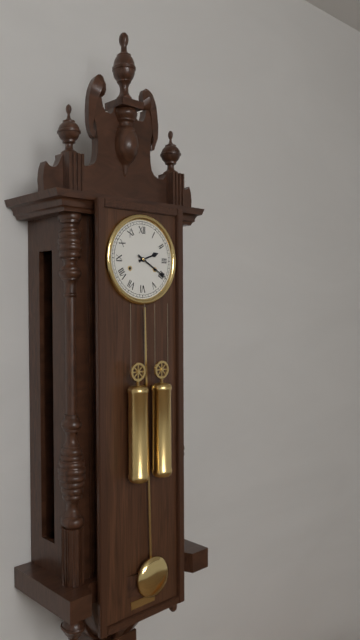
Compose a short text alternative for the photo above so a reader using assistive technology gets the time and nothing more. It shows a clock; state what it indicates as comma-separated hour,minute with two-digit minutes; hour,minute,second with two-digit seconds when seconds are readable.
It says 2,20
